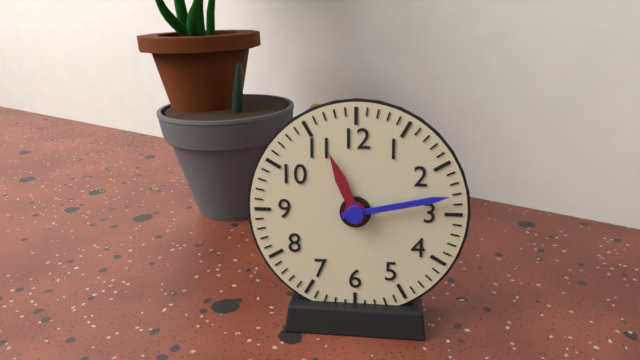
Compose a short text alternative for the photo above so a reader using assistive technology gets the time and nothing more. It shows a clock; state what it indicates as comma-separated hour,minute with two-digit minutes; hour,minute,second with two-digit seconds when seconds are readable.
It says 11,13
